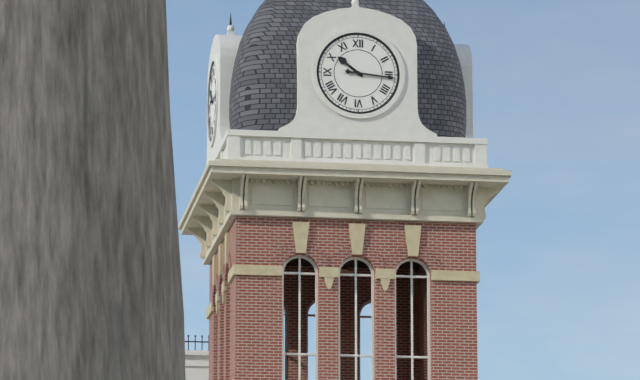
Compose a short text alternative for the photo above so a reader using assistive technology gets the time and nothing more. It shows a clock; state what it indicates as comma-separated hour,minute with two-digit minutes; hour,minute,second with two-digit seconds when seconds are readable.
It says 10,16
